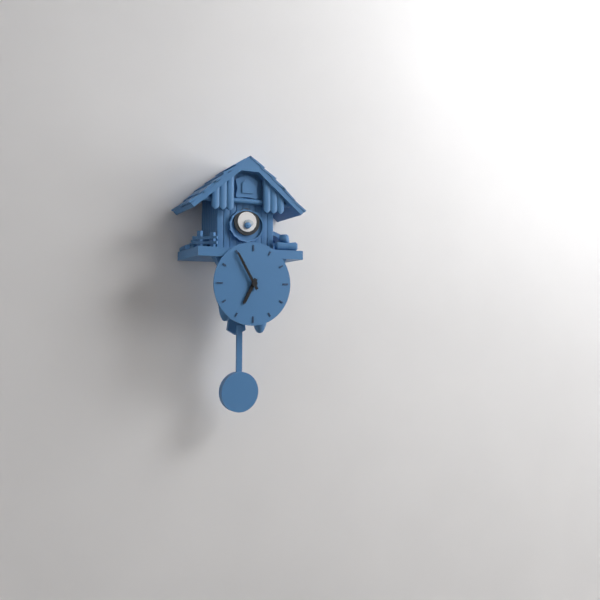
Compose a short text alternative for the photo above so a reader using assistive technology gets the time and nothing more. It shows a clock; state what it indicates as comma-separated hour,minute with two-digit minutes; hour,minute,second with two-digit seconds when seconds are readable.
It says 6,55
